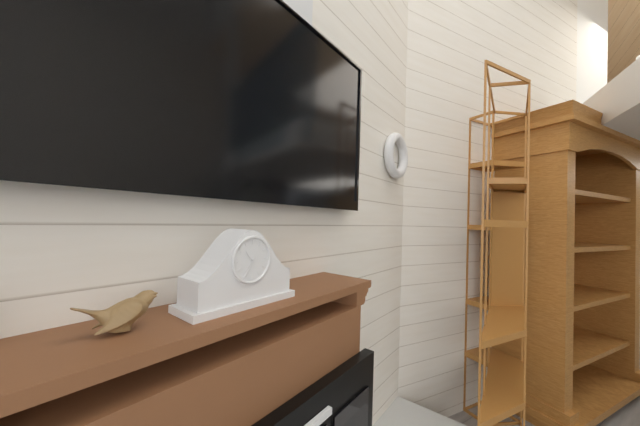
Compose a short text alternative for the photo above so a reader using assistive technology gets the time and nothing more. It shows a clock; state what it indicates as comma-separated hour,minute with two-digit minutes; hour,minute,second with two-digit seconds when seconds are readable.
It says 10,35
